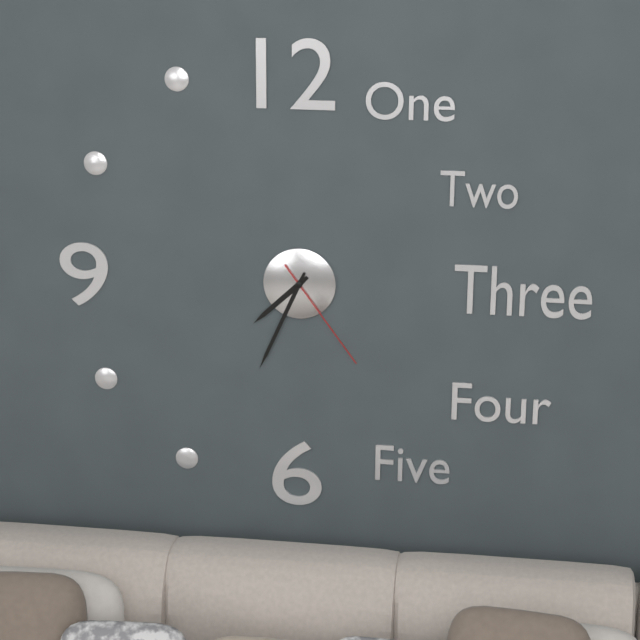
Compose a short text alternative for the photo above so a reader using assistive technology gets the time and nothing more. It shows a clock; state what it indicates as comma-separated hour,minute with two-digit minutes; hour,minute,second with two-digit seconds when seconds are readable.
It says 7,34,24
